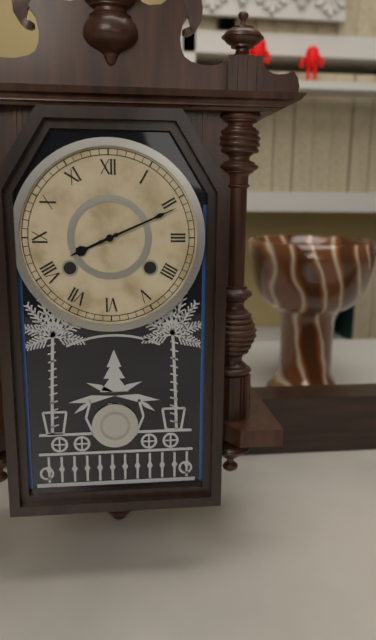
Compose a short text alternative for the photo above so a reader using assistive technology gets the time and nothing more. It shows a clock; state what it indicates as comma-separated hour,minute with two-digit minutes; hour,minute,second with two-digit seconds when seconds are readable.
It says 8,11
